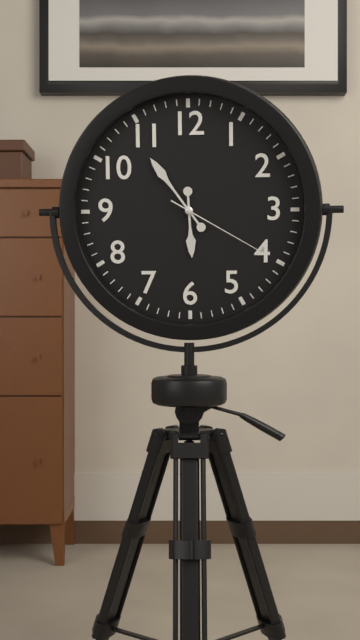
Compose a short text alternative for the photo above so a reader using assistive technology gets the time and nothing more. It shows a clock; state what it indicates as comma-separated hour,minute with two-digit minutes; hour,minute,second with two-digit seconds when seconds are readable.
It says 5,54,20
